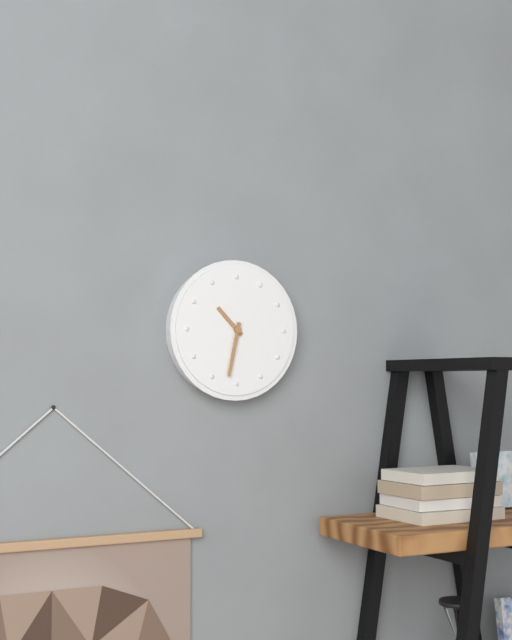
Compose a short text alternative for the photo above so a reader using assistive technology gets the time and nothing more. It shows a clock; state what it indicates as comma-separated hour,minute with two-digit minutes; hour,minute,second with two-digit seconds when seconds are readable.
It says 10,32
